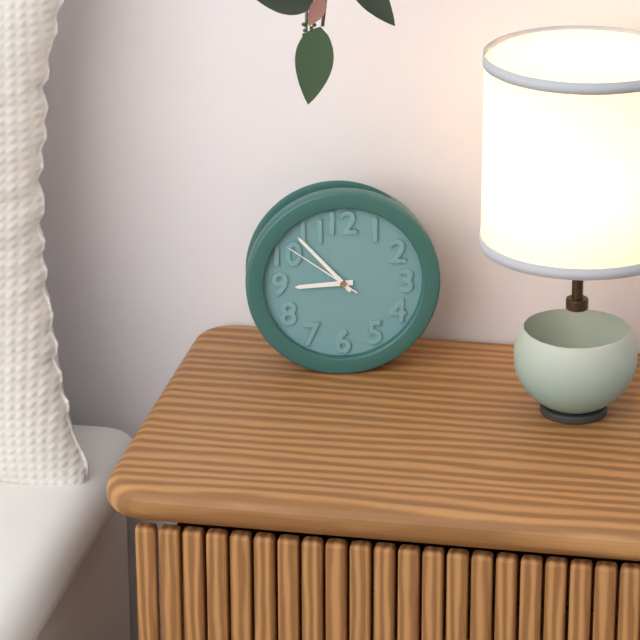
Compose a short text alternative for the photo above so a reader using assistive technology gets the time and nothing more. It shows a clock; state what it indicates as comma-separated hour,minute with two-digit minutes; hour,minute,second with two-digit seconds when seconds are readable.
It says 8,53,51
